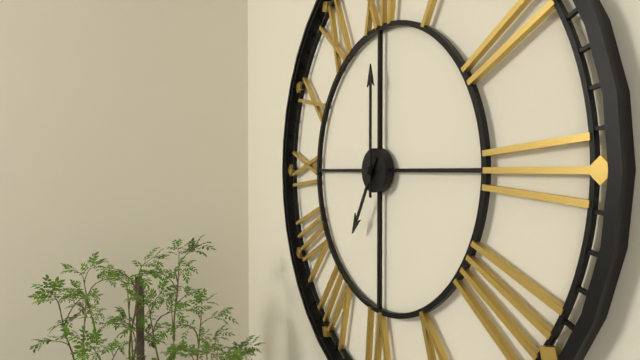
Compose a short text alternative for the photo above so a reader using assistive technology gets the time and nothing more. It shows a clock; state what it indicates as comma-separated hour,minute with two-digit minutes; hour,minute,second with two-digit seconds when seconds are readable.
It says 7,00
